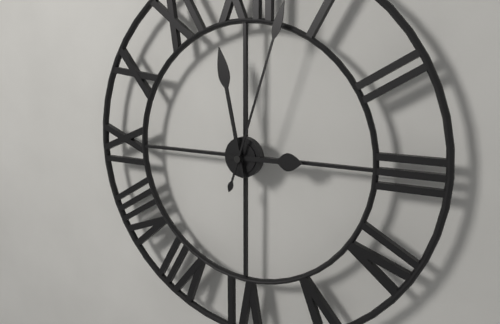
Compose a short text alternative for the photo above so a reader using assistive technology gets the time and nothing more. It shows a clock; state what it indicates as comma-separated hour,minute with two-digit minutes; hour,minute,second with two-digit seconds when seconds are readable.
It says 2,58,03
